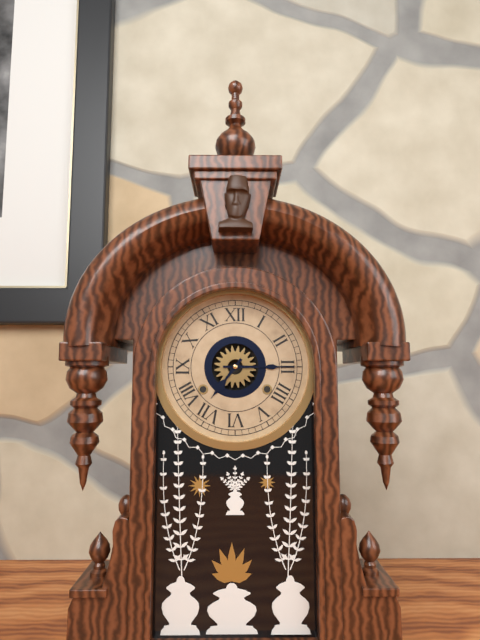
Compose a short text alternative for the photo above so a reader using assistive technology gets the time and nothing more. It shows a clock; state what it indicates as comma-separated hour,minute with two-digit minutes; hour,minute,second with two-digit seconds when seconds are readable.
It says 7,15
